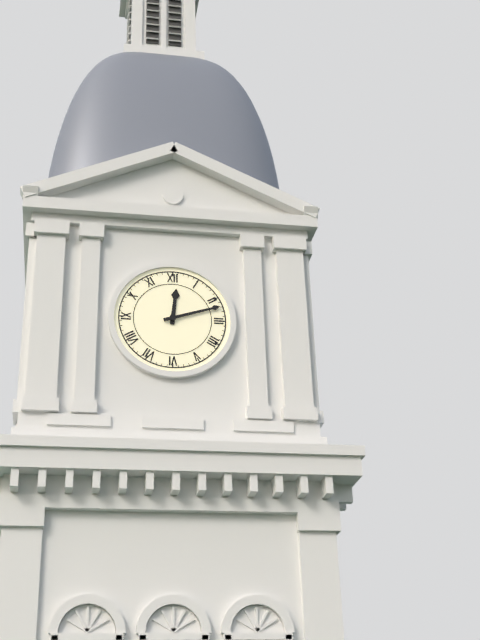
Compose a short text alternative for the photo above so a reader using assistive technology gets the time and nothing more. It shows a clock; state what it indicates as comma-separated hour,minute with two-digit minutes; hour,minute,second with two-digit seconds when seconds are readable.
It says 12,12
